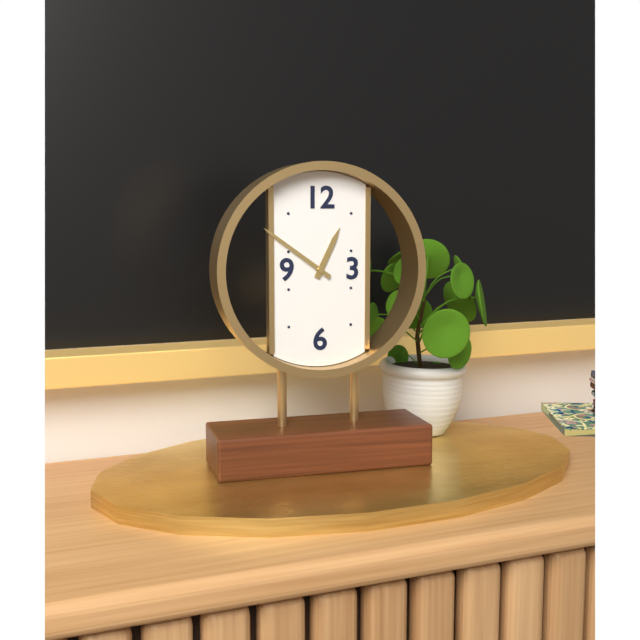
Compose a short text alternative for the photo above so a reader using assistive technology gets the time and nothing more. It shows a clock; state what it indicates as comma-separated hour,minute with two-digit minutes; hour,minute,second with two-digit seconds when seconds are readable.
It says 12,51
